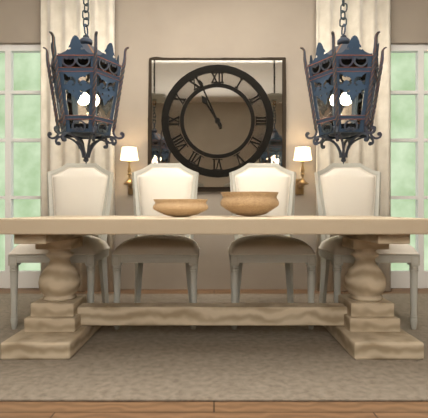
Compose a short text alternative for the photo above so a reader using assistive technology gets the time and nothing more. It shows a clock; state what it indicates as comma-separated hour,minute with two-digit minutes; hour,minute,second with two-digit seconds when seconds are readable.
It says 10,56
